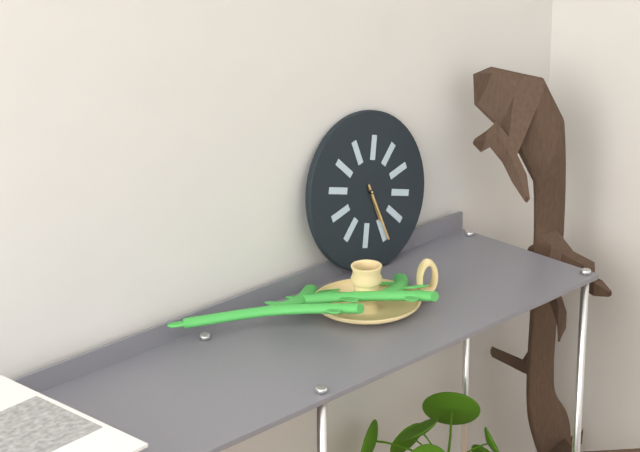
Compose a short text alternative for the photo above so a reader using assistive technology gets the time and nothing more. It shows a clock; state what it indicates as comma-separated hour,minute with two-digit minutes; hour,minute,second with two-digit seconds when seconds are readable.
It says 5,27
